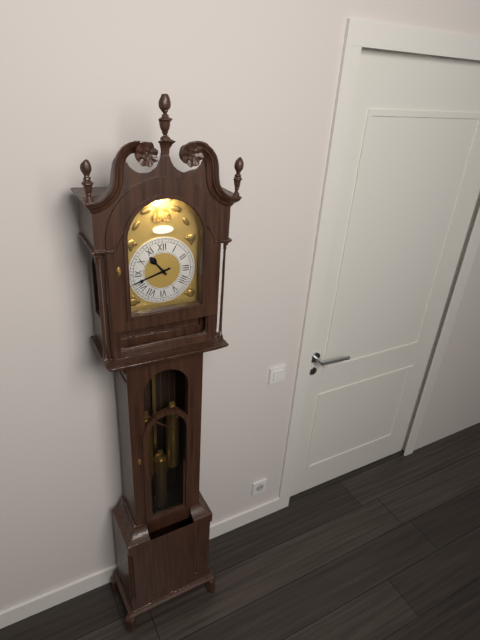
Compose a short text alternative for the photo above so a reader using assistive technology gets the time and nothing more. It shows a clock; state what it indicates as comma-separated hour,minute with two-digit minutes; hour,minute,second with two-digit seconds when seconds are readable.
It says 10,42
